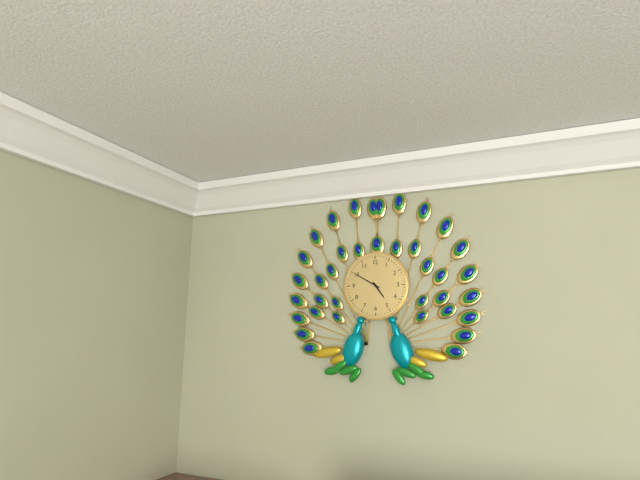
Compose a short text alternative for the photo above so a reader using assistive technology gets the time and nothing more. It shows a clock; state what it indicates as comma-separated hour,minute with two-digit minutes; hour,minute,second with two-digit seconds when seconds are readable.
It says 4,50
